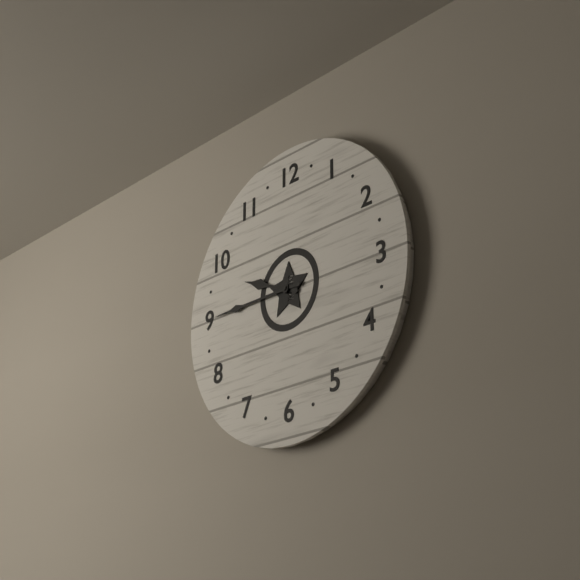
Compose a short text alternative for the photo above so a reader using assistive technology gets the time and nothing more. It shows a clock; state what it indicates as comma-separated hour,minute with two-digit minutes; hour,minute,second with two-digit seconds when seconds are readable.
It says 9,45
